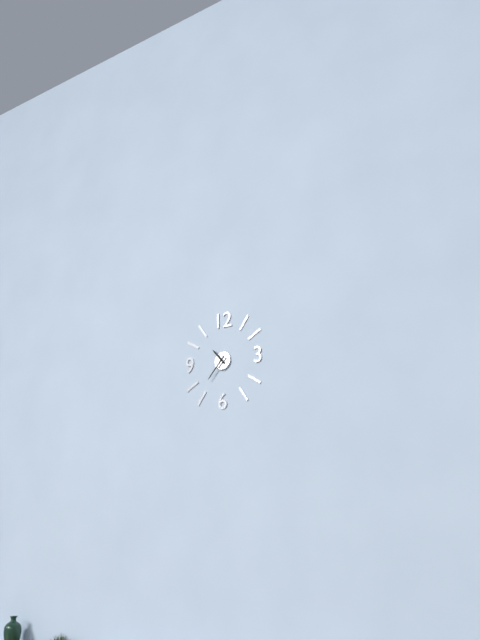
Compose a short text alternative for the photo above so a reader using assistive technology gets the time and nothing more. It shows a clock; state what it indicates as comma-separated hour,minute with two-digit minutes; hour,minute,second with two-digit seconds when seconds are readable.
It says 10,37
